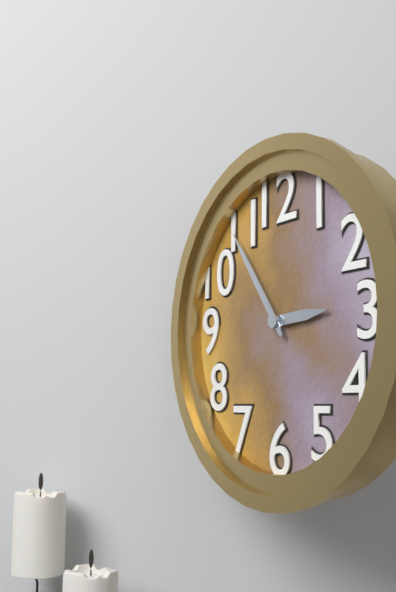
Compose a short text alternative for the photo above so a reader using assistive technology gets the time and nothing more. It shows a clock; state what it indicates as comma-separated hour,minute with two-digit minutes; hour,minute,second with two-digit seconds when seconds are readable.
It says 2,54
